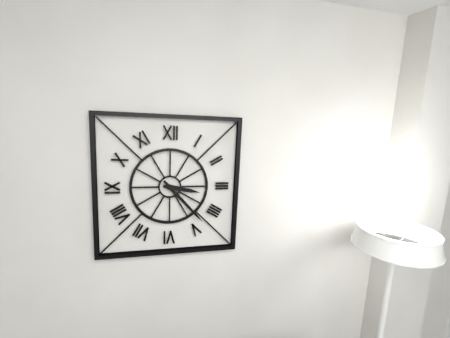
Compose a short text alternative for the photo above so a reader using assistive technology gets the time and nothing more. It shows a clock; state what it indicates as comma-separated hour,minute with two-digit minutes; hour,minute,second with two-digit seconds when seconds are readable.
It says 3,23
